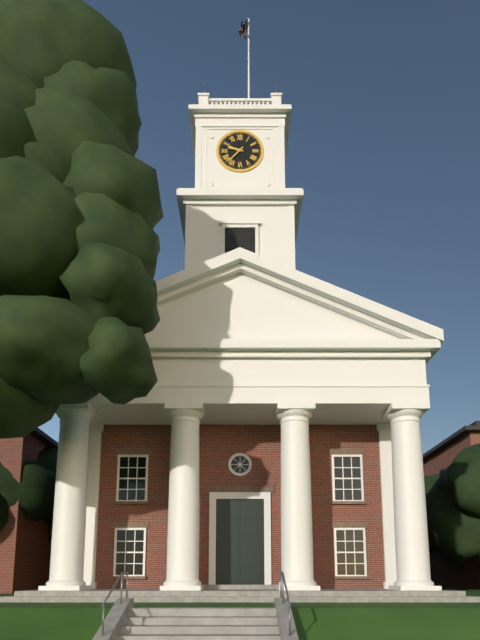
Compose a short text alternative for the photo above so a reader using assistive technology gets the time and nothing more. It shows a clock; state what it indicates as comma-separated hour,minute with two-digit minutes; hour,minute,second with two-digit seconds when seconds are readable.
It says 9,37
